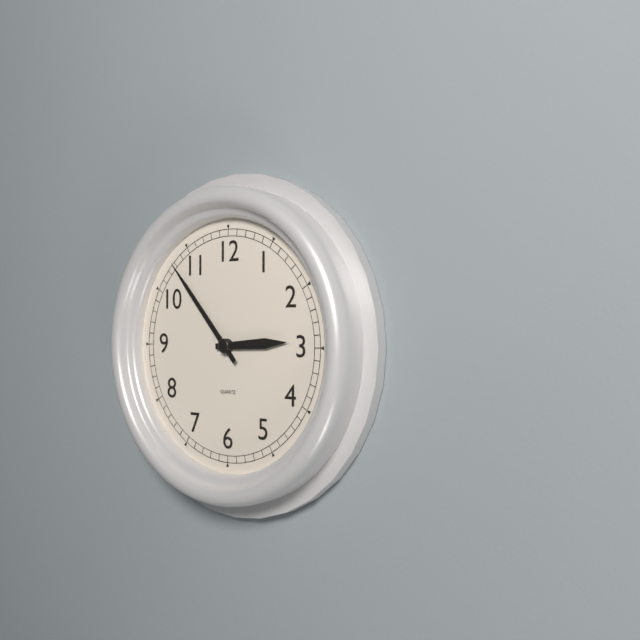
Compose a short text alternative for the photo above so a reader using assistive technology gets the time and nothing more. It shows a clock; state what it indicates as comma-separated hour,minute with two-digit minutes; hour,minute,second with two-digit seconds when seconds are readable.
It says 2,53
